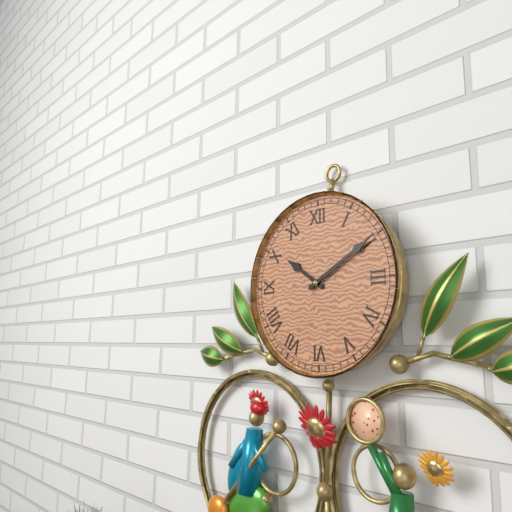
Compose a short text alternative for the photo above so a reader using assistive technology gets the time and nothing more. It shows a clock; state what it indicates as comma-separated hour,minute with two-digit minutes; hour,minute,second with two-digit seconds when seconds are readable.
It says 10,10
